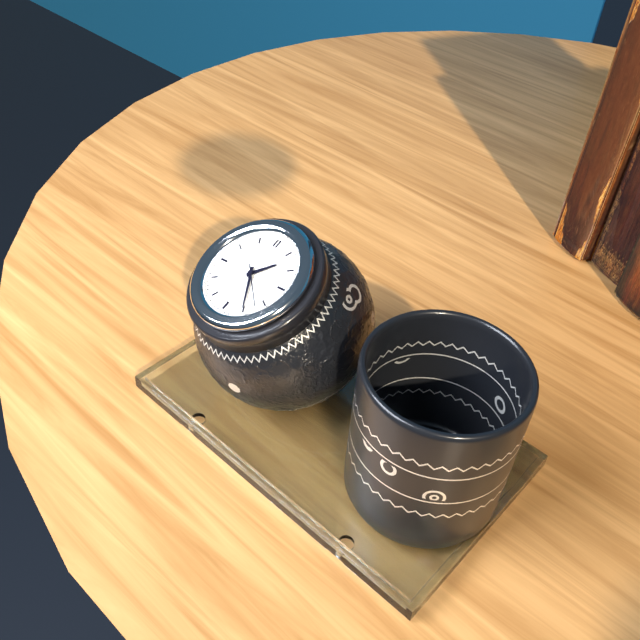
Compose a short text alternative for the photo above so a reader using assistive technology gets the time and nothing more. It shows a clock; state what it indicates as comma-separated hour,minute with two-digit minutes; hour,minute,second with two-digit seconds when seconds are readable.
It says 1,25
